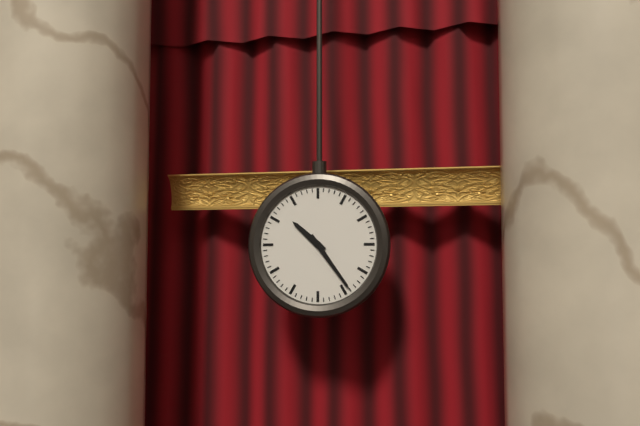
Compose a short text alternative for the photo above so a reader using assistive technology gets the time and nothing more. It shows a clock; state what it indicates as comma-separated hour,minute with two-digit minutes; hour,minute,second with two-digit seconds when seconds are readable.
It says 10,24
